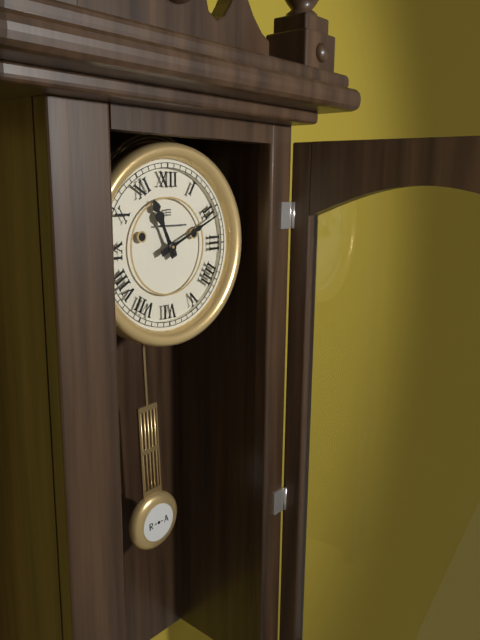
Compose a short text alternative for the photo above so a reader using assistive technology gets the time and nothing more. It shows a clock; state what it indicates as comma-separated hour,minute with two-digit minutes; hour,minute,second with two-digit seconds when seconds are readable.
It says 11,11
